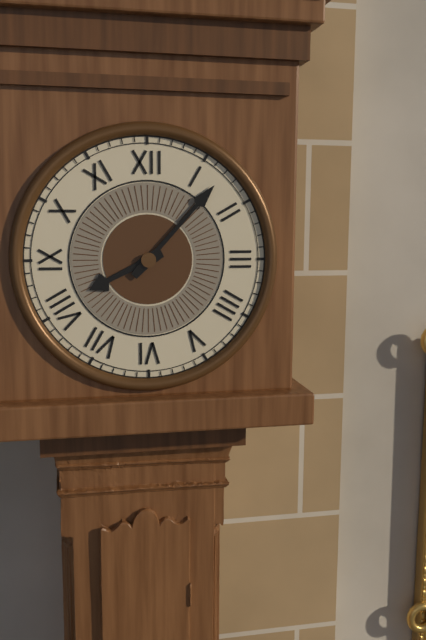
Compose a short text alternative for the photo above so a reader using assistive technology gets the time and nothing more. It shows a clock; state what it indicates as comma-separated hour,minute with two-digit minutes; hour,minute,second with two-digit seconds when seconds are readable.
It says 8,07
